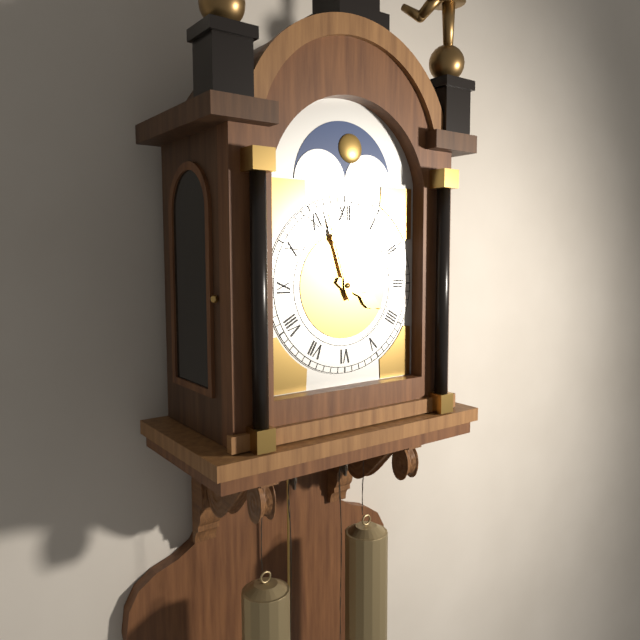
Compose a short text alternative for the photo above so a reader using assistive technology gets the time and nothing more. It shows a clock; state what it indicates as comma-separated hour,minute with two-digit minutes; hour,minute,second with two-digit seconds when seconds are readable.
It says 3,57
